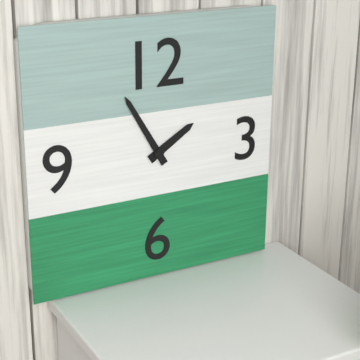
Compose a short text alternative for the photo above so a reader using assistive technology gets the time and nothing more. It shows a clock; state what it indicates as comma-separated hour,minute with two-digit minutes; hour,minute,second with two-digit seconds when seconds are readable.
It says 1,55
